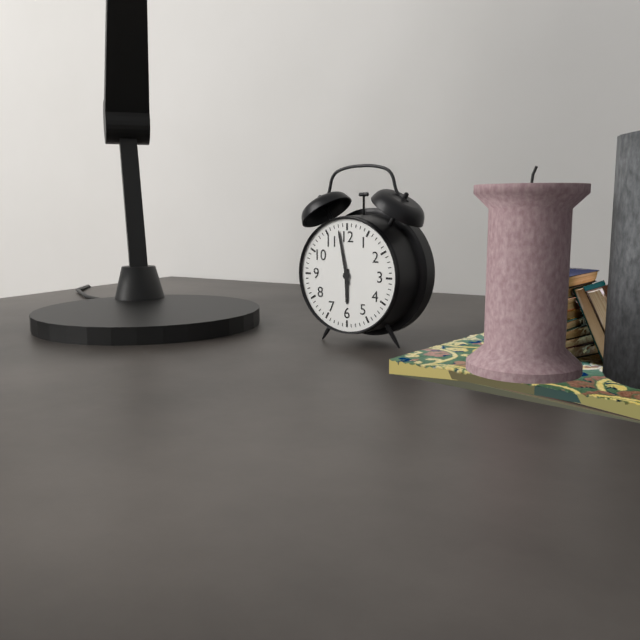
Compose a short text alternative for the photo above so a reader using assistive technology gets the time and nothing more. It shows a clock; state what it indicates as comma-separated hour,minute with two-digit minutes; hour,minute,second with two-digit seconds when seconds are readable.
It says 5,58
